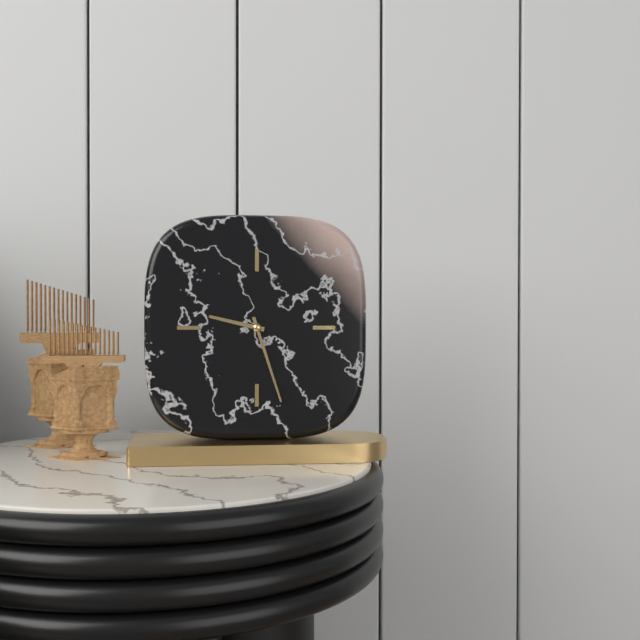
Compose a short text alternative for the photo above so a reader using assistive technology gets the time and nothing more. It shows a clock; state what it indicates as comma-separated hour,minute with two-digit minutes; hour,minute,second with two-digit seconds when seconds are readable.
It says 9,27
